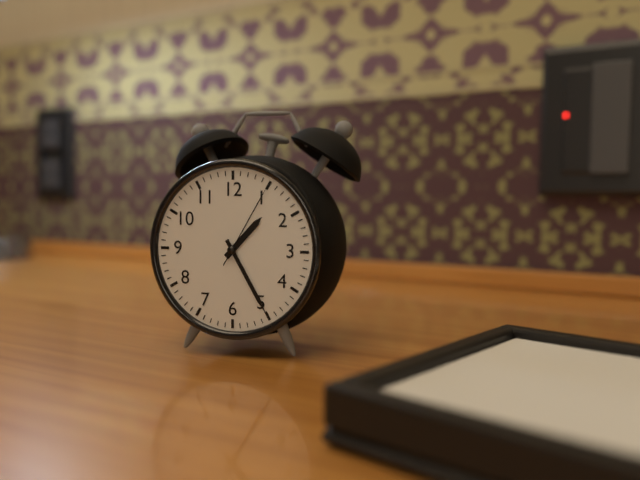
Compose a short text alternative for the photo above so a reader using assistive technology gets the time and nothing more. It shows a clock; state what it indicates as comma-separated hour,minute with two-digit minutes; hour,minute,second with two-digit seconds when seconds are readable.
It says 1,25,05
